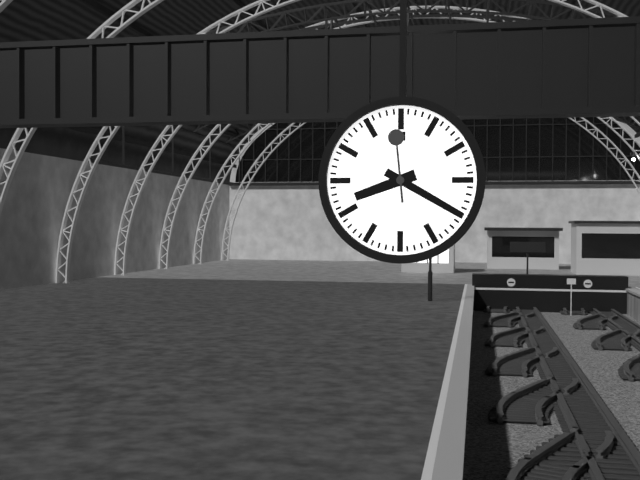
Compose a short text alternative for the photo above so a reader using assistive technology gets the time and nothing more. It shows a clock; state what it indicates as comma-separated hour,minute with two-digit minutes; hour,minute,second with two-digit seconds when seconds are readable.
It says 8,20,59
